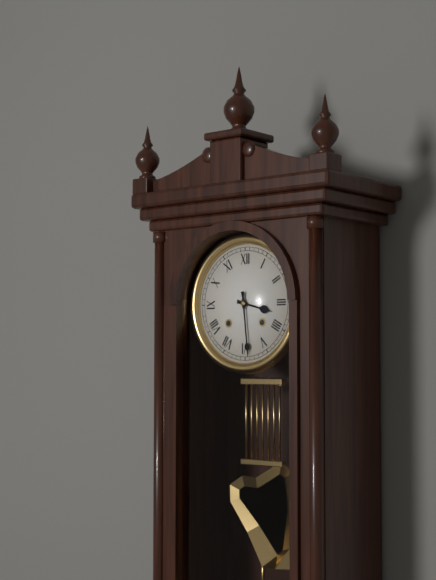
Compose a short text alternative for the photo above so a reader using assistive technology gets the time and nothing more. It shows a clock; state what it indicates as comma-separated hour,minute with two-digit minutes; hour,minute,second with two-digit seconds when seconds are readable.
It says 3,29
